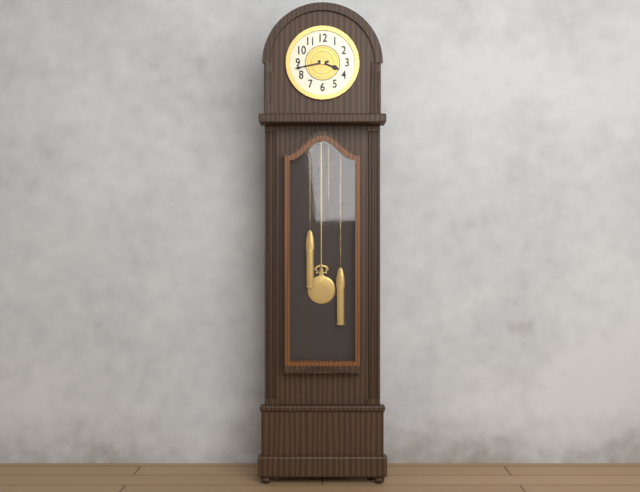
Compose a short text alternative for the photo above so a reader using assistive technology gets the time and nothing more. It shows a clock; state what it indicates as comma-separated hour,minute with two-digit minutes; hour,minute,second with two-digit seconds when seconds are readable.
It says 3,43
